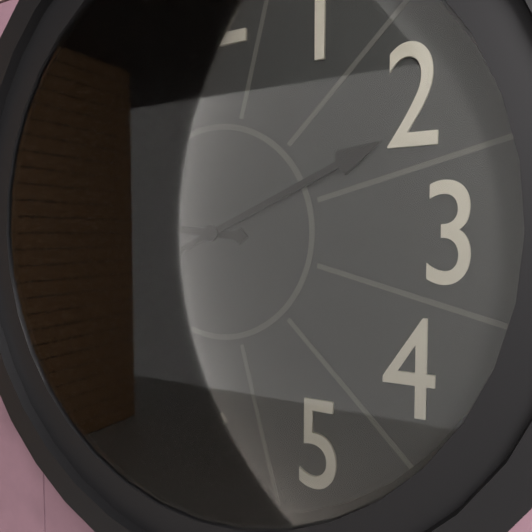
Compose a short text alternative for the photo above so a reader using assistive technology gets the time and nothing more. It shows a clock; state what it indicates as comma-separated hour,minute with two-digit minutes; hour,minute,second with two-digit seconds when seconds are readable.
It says 9,11
